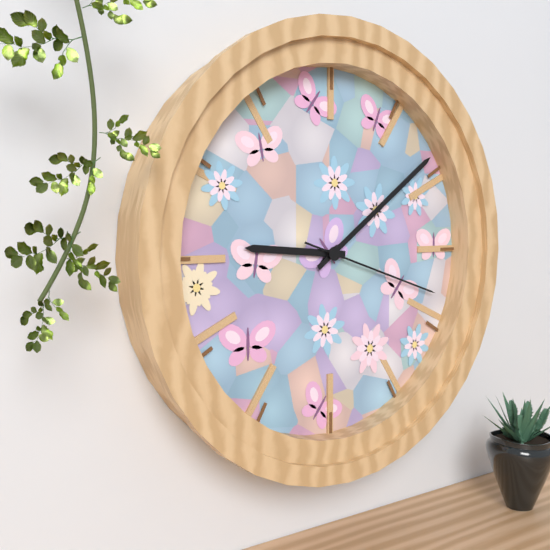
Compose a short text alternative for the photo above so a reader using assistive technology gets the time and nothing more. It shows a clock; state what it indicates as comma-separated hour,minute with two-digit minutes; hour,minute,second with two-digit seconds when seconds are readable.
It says 9,09,18
